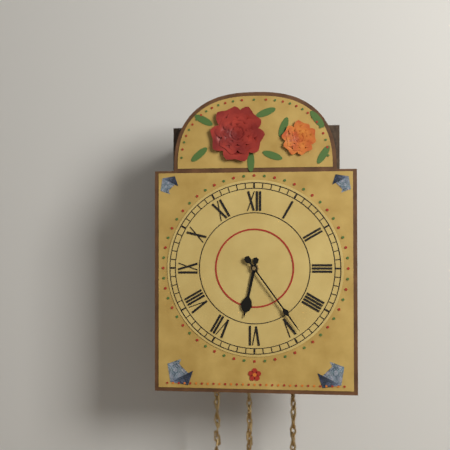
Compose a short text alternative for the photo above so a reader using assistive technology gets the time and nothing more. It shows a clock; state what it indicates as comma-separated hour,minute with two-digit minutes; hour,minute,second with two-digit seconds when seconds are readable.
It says 6,24
